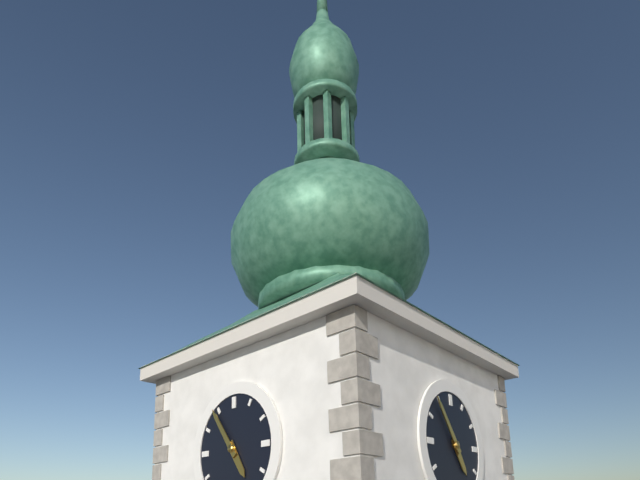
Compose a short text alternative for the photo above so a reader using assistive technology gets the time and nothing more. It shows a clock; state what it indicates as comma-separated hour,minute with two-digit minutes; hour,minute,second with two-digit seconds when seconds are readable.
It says 4,54
